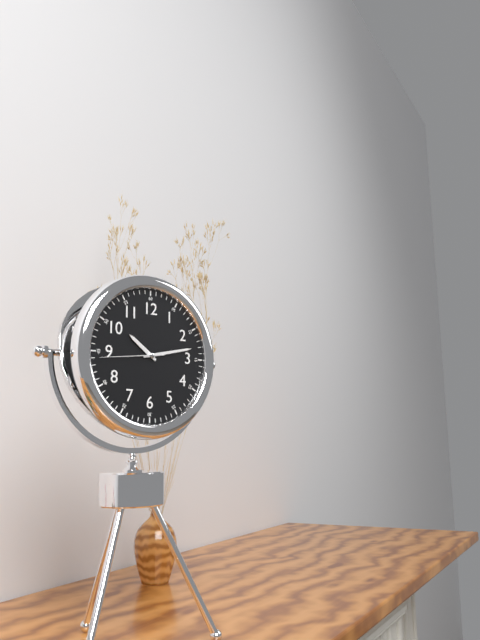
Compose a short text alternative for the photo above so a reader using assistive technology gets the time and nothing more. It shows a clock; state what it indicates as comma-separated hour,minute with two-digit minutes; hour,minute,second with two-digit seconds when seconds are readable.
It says 10,13,44
